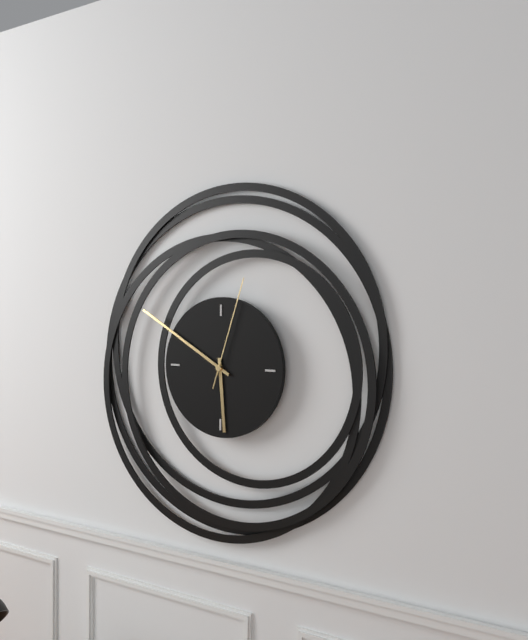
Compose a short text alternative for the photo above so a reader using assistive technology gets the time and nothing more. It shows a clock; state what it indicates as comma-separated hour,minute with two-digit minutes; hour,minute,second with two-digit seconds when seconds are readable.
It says 5,50,03
